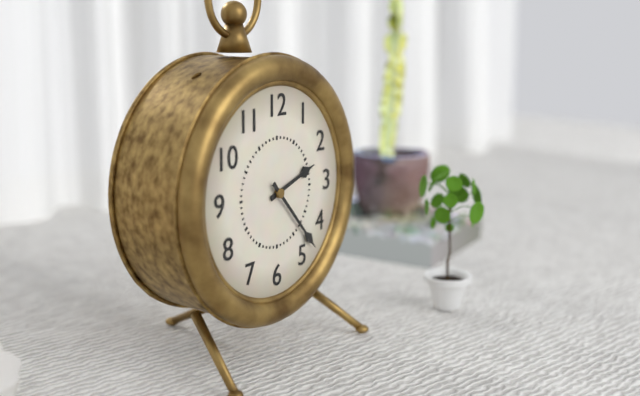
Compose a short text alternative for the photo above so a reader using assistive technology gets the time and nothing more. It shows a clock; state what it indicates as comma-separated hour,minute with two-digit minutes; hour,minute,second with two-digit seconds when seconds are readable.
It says 2,23
